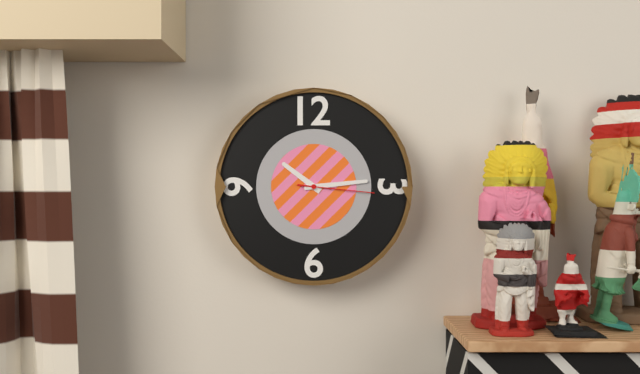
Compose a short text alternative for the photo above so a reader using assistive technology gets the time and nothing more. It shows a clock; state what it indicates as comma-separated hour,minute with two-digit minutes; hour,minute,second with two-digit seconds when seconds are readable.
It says 10,14,16
